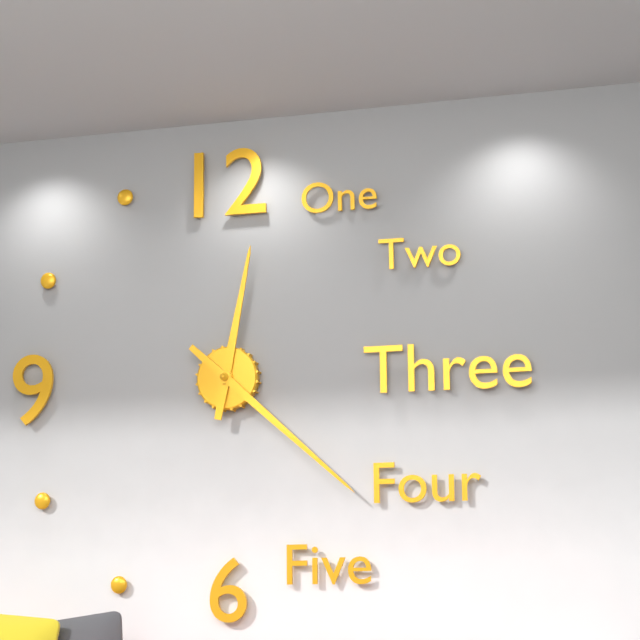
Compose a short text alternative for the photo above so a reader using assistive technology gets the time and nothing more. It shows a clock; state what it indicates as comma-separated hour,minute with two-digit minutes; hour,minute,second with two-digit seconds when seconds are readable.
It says 12,22
